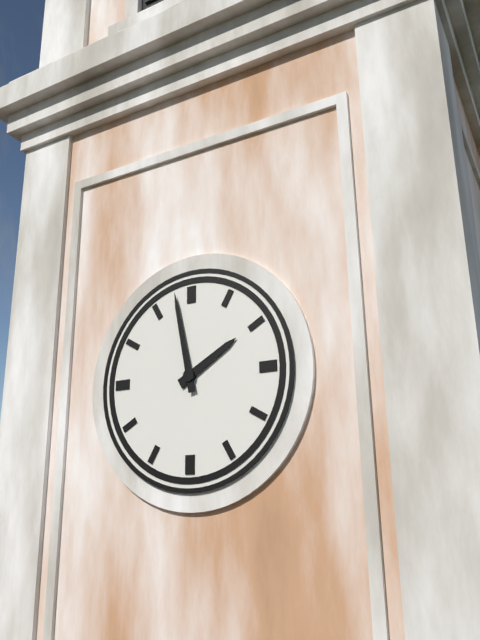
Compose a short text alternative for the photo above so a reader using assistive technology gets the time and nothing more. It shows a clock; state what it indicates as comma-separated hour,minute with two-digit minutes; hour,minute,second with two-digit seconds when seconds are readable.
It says 1,58
